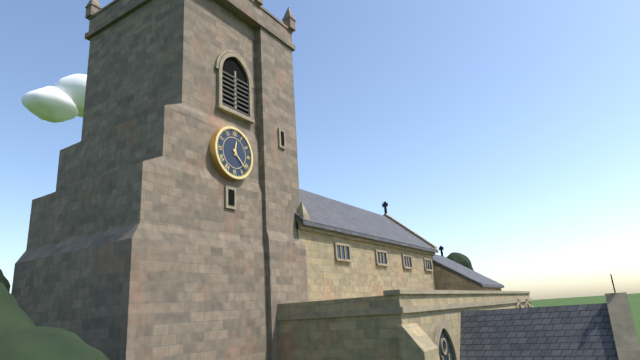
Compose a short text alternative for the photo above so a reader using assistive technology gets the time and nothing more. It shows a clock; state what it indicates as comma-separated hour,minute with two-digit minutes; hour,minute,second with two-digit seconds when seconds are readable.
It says 12,22
